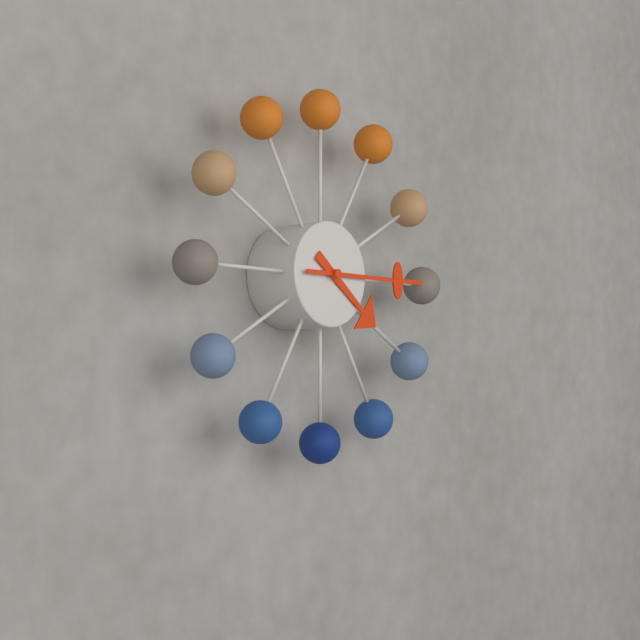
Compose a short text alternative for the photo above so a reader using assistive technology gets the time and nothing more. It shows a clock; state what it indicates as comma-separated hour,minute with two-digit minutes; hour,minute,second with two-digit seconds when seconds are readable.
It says 4,15
